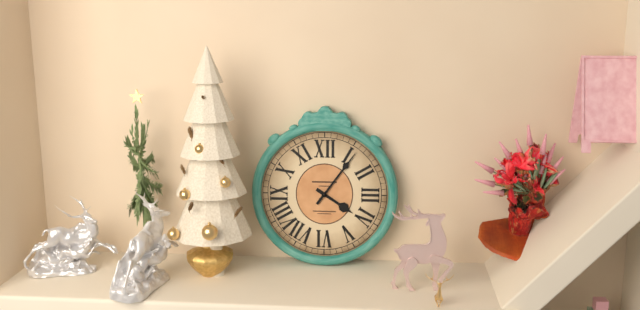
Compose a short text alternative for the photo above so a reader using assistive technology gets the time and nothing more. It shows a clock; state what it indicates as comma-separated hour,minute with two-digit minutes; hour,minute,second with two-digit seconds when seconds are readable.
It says 4,06
